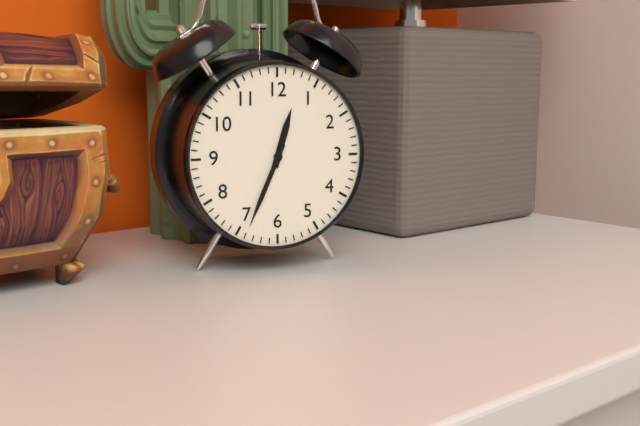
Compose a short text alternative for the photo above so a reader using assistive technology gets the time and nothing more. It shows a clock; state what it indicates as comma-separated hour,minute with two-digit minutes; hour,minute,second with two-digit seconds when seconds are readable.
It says 12,34
